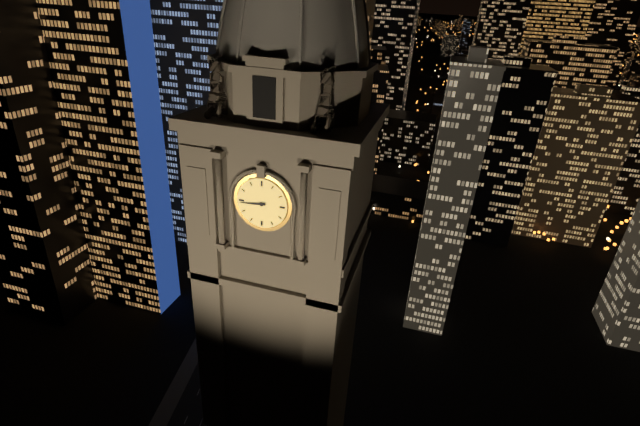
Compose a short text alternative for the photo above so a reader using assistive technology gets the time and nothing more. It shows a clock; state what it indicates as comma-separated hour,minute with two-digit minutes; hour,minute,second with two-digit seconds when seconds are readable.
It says 8,44
